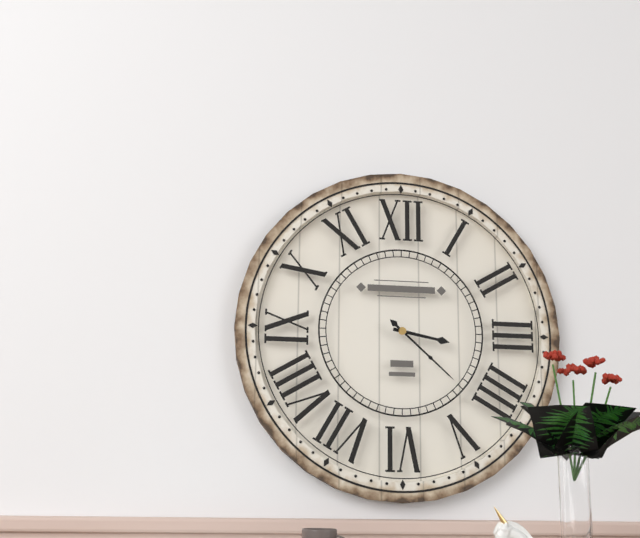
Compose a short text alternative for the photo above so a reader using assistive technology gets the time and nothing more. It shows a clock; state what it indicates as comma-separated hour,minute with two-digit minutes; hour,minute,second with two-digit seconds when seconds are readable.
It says 3,22
